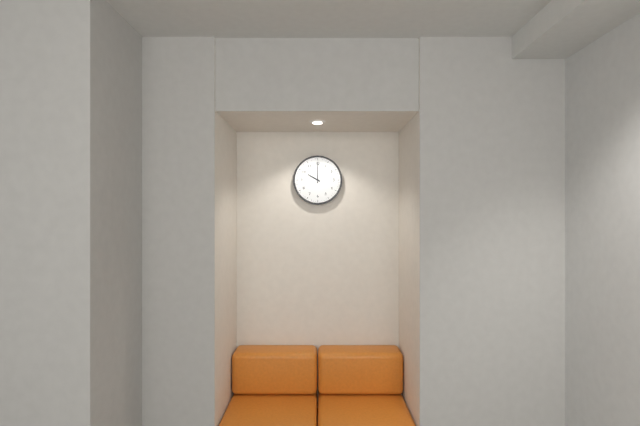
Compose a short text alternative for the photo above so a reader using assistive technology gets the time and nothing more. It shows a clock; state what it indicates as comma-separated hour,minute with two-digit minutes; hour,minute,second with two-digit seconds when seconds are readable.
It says 10,00
